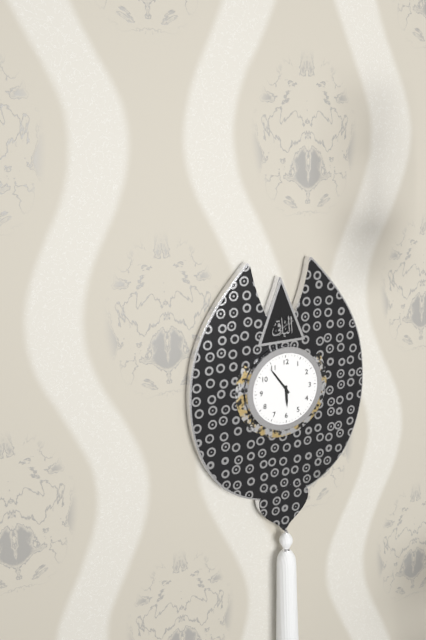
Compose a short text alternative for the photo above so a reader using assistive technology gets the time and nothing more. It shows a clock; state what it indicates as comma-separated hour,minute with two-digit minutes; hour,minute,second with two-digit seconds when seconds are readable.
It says 5,54
